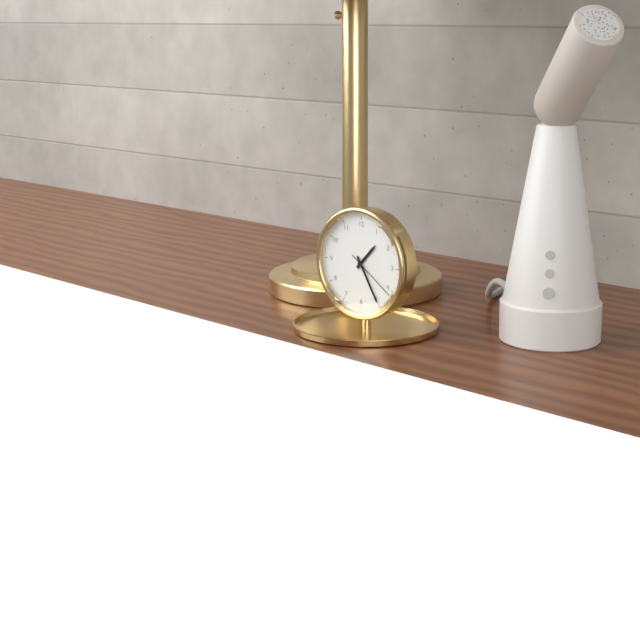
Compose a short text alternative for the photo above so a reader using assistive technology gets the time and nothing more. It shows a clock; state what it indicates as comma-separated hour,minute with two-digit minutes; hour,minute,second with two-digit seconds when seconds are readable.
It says 1,25,21
